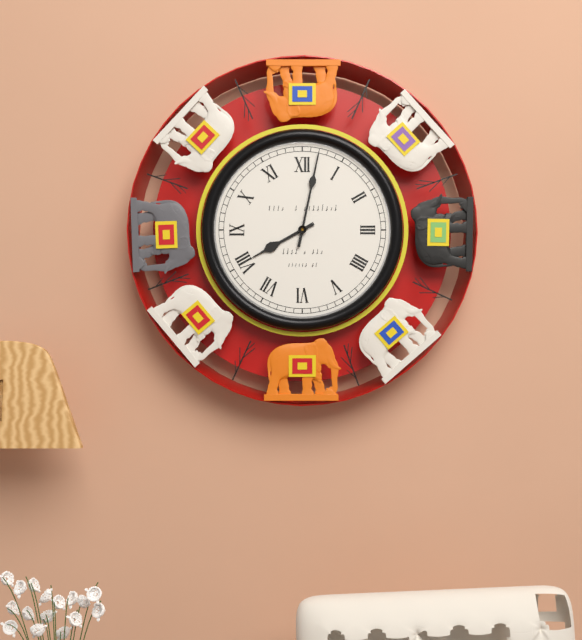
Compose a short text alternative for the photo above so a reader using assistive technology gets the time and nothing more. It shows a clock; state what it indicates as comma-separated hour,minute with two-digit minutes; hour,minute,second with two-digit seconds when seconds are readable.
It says 8,02
